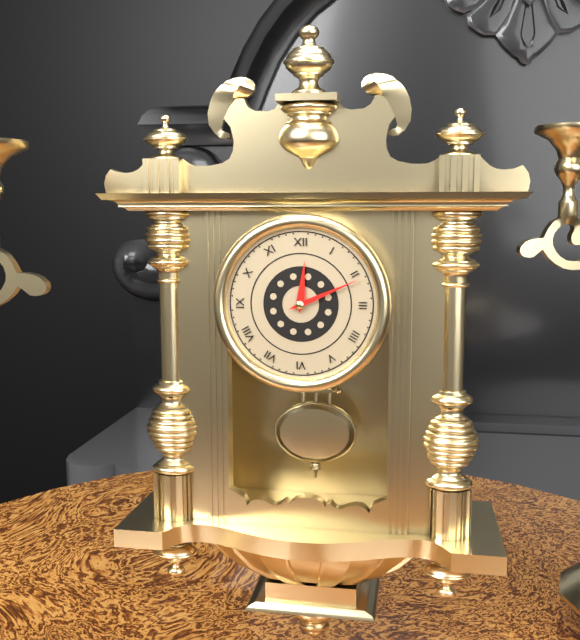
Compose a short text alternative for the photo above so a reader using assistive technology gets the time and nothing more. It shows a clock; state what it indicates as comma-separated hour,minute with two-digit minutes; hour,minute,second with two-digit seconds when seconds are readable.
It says 12,11
